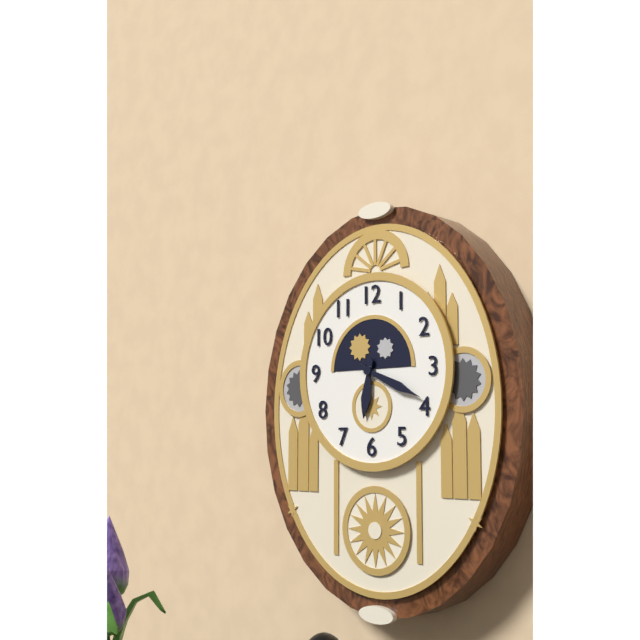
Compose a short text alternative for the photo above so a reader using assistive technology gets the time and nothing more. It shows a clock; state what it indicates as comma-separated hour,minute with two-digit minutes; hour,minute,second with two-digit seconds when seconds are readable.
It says 6,19
